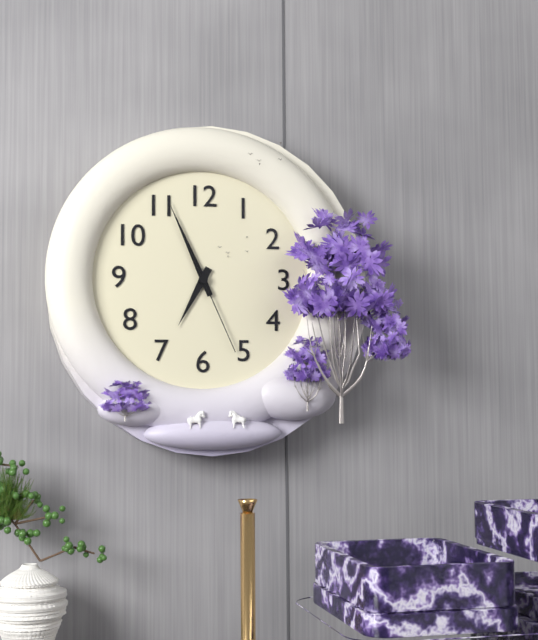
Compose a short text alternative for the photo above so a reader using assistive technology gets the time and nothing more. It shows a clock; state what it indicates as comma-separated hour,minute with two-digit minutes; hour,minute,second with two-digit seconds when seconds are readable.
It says 6,56,26
